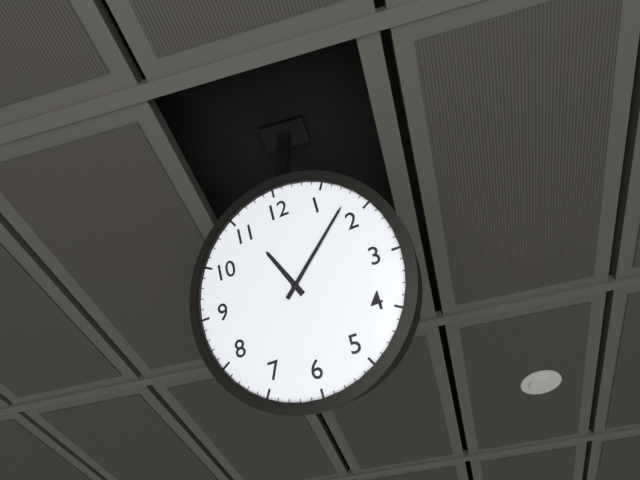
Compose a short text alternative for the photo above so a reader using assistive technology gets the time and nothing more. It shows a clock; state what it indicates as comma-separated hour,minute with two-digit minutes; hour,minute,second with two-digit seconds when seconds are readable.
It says 11,08
